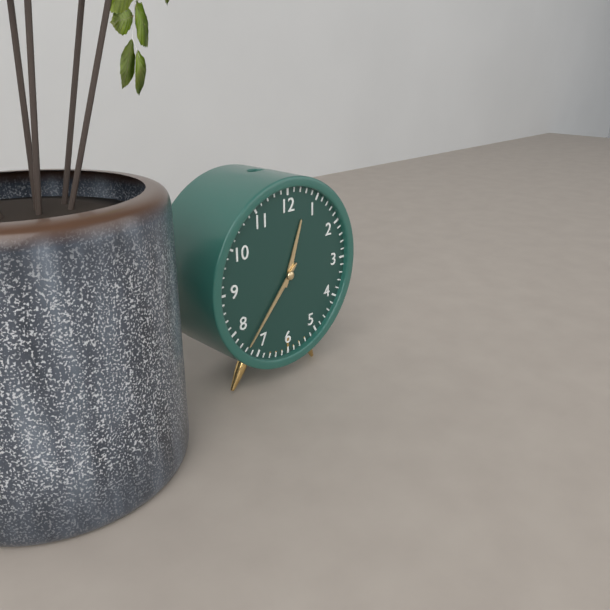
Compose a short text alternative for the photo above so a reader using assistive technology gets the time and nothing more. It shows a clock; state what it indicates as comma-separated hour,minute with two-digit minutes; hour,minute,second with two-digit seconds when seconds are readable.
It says 12,37
